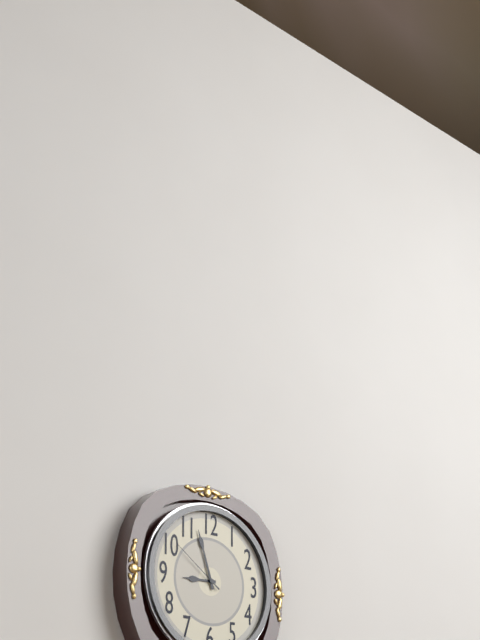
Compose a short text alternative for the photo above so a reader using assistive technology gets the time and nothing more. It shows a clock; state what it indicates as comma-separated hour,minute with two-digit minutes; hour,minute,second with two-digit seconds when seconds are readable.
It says 8,57,51
